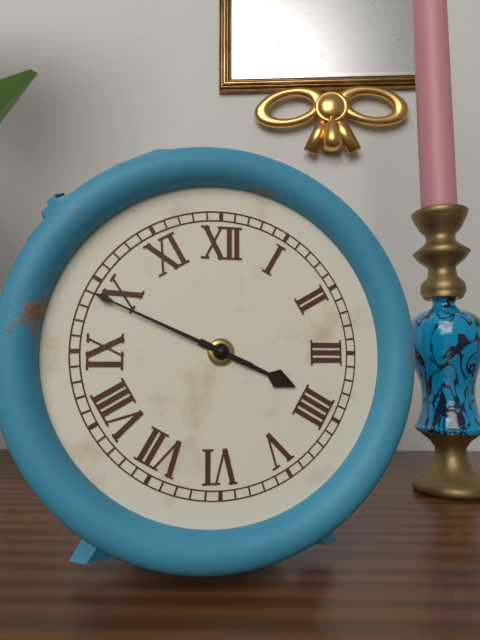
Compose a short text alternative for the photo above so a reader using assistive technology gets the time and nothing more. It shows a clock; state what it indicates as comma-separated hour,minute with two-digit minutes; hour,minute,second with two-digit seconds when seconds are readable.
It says 3,49
